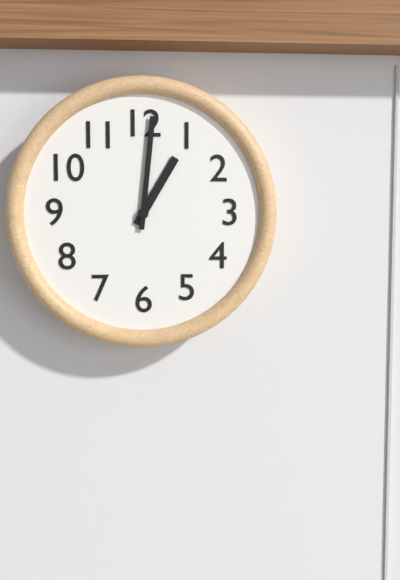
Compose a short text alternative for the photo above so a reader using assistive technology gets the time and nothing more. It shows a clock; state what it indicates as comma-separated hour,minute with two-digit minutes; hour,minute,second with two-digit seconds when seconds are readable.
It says 1,01
